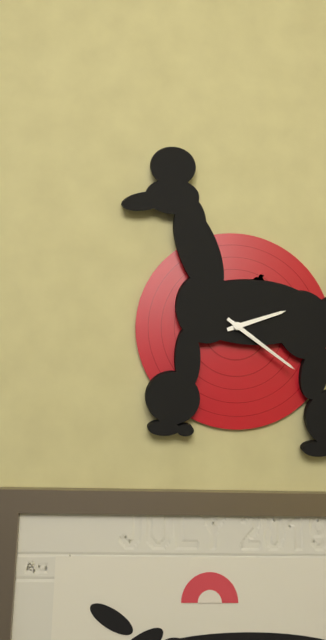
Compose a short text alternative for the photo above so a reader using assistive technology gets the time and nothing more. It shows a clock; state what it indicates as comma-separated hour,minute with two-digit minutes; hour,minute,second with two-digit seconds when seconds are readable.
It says 2,21
